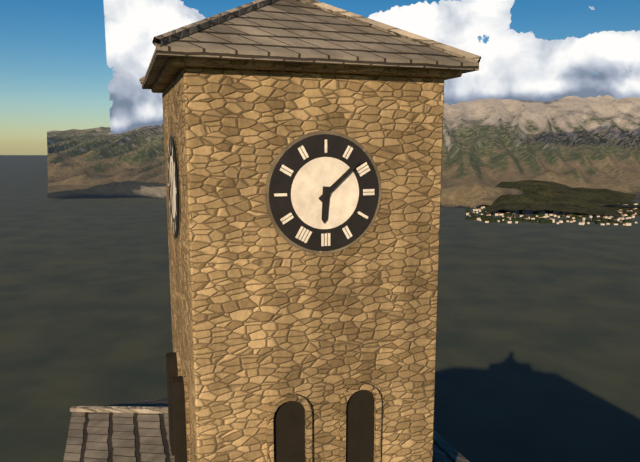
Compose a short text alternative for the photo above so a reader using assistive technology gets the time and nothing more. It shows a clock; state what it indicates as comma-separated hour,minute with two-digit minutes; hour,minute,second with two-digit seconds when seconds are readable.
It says 6,08
